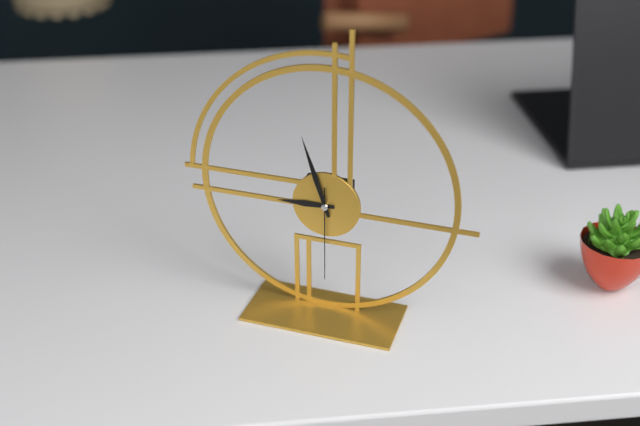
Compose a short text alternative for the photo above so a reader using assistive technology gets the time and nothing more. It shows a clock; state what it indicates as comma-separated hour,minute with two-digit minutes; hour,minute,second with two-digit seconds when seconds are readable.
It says 8,57,30
